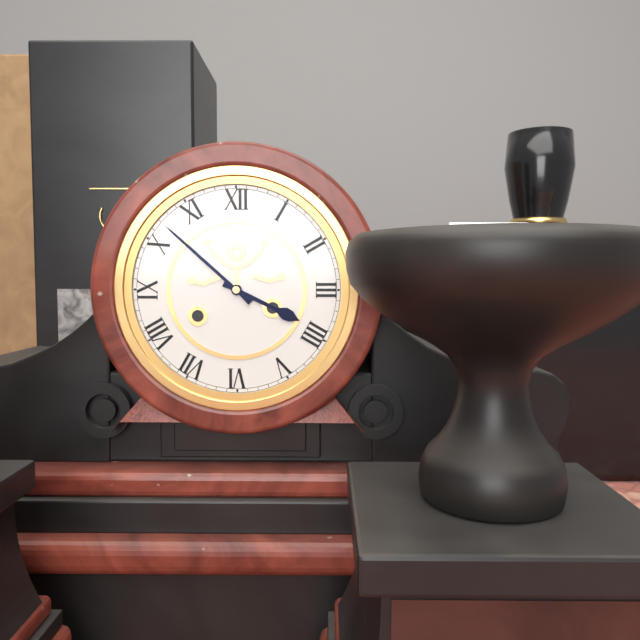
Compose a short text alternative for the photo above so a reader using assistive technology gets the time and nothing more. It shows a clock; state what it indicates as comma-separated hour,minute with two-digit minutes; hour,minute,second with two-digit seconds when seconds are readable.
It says 3,52
